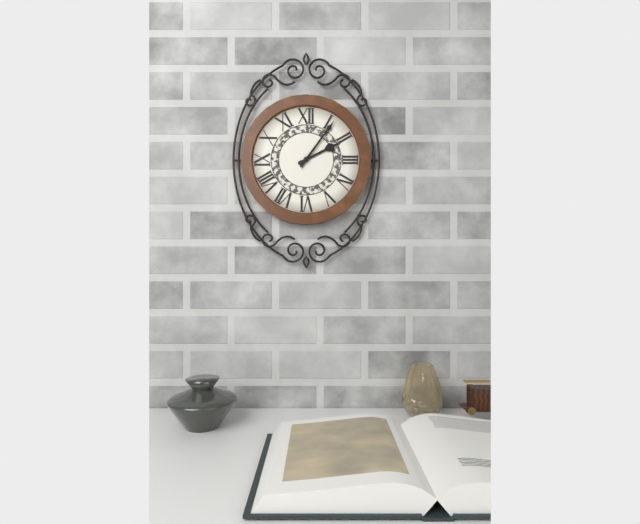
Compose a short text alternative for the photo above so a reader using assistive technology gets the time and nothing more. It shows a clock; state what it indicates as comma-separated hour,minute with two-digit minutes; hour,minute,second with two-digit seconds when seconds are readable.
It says 2,06
